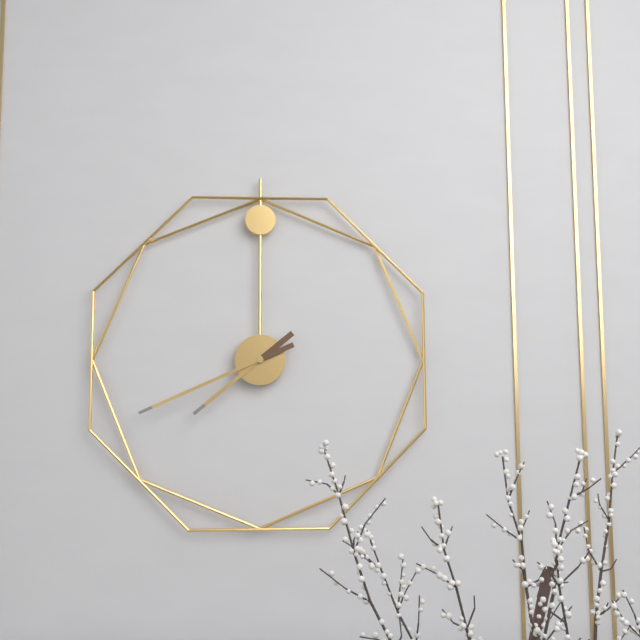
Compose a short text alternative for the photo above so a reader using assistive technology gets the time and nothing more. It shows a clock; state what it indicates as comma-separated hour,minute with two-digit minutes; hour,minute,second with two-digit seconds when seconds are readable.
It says 7,41
